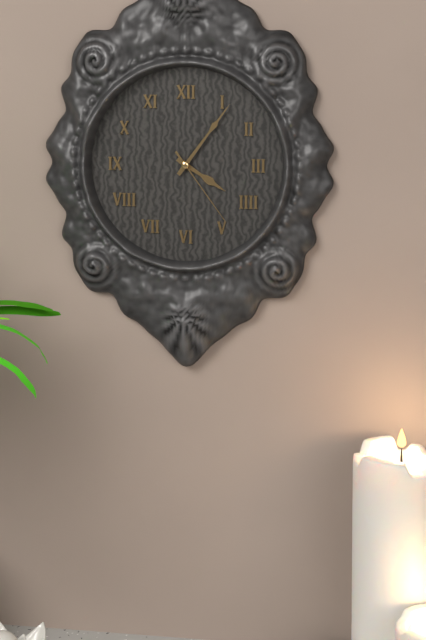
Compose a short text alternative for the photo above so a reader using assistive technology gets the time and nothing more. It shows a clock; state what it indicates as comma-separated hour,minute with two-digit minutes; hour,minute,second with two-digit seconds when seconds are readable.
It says 4,06,24
